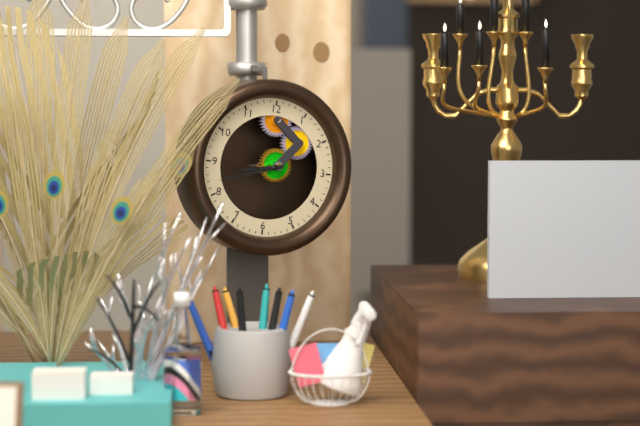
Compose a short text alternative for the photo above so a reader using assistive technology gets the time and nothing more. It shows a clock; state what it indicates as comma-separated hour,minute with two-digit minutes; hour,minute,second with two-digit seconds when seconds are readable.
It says 8,42
